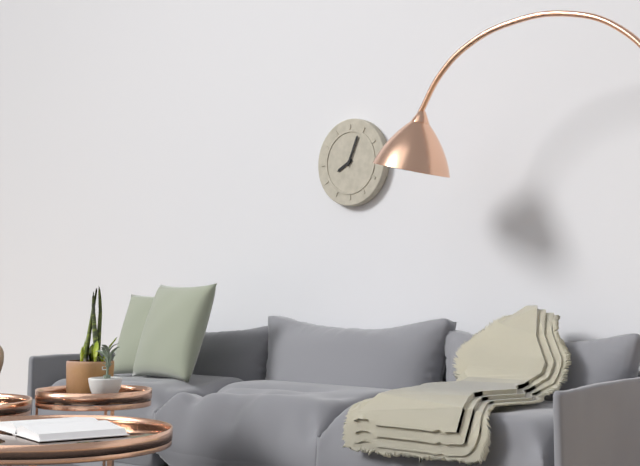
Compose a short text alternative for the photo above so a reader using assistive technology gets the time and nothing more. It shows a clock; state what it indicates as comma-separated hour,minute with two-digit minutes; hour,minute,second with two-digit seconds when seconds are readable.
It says 8,04
